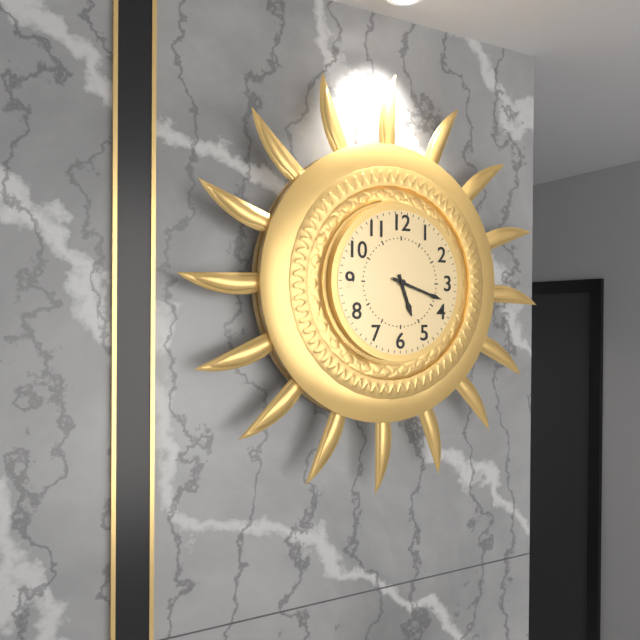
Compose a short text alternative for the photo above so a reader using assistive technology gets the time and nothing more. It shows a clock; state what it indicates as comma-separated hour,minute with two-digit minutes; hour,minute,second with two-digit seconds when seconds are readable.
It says 5,18
